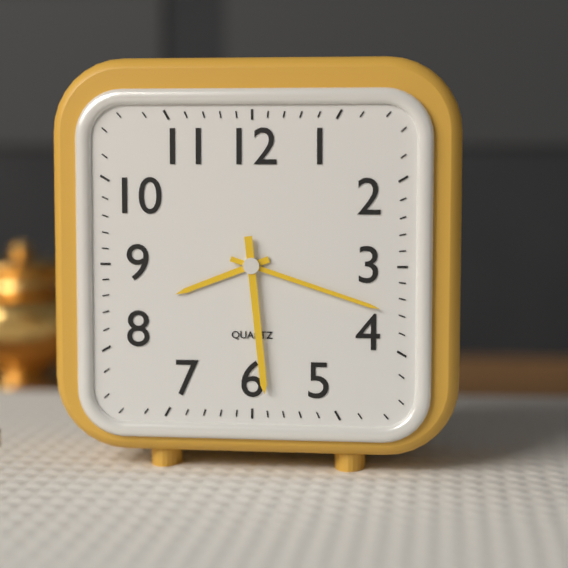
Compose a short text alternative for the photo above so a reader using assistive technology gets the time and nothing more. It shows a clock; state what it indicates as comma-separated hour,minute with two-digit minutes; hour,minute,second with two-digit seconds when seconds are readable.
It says 8,18,29
